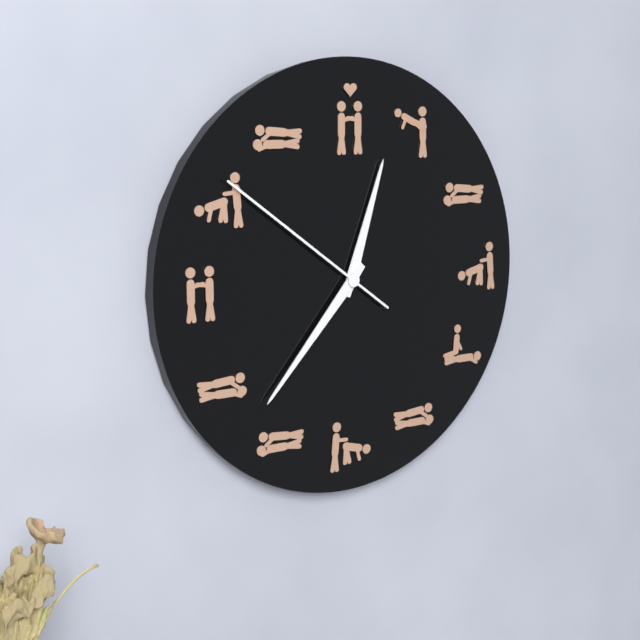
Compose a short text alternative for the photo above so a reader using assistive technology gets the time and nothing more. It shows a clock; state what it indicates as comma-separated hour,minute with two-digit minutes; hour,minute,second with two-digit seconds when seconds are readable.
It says 12,37,51
